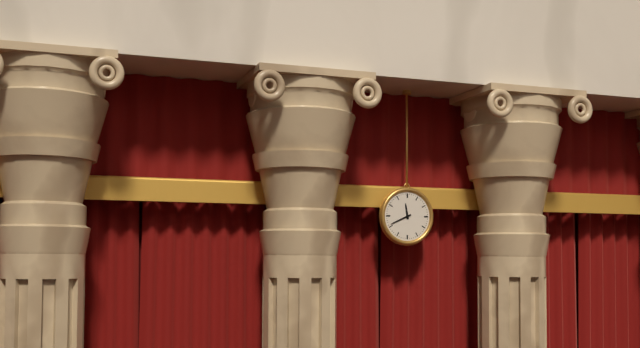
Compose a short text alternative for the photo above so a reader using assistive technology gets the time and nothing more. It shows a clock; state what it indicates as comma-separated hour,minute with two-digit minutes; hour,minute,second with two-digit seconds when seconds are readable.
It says 11,41
